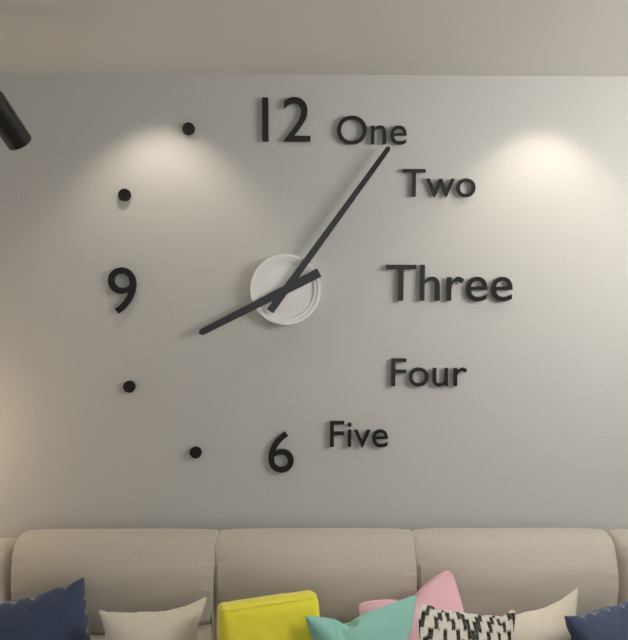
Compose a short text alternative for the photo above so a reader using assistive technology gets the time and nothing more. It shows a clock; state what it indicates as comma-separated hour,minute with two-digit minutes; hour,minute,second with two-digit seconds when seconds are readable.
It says 8,06
